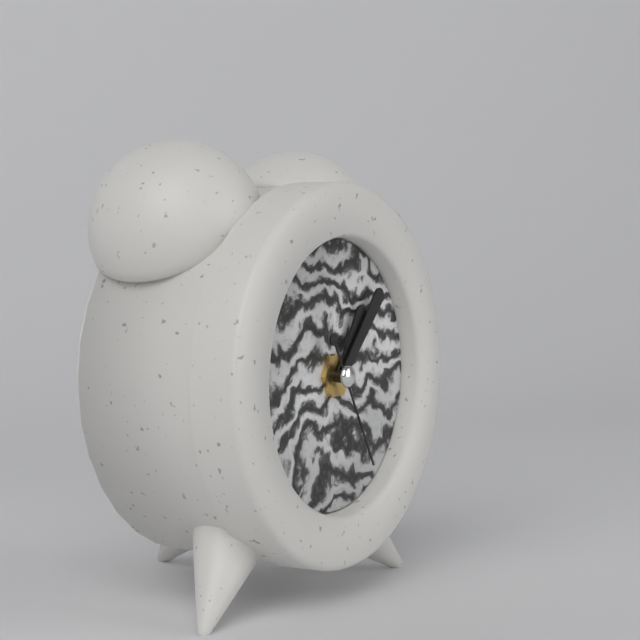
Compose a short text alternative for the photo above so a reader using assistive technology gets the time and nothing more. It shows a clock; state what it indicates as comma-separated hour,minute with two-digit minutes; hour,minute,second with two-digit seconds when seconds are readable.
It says 1,07,25
